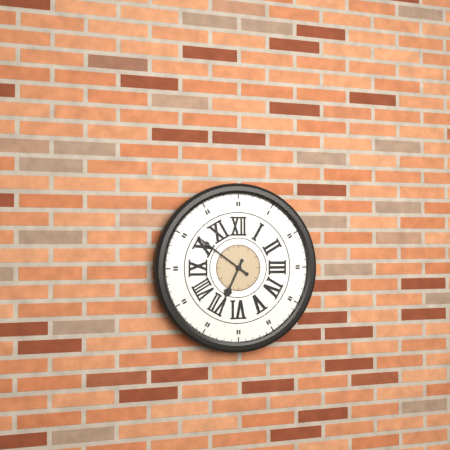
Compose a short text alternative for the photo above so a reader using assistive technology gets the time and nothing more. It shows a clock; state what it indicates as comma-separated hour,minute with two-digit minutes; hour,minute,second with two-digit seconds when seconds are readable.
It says 6,51
